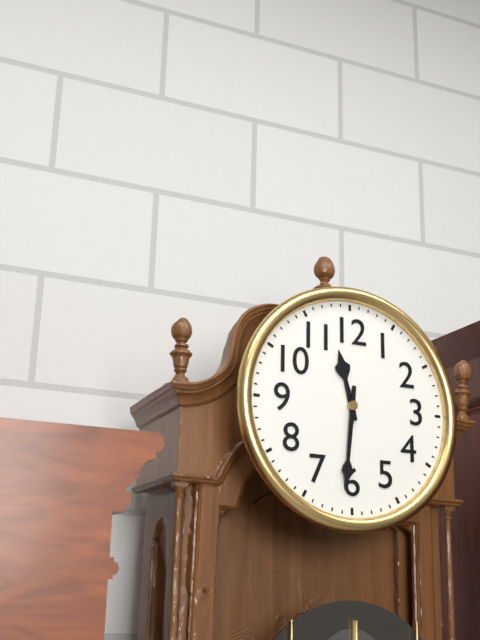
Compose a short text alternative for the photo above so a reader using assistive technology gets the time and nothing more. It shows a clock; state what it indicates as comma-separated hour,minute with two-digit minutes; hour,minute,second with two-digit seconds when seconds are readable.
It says 11,31
